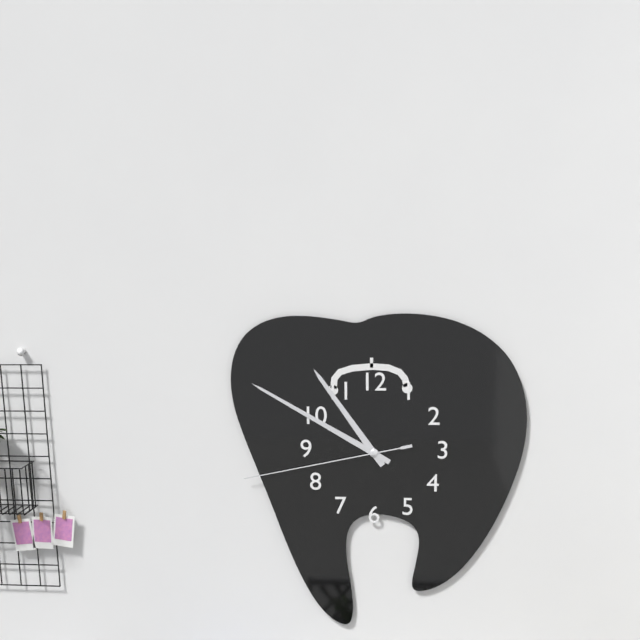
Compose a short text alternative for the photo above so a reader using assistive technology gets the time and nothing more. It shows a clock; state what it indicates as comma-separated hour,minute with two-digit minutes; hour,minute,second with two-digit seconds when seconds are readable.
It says 10,50,43
